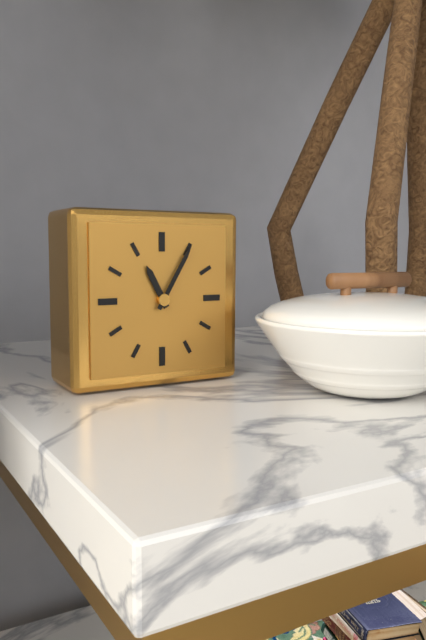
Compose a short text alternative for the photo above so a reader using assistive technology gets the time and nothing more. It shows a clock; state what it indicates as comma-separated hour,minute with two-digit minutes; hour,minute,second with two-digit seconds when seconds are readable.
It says 11,05
